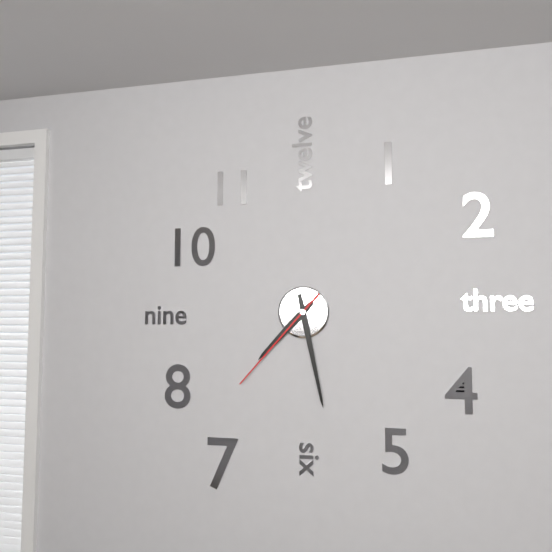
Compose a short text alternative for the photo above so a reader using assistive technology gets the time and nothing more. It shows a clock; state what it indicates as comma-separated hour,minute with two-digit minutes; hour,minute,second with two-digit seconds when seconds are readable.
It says 7,28,37
